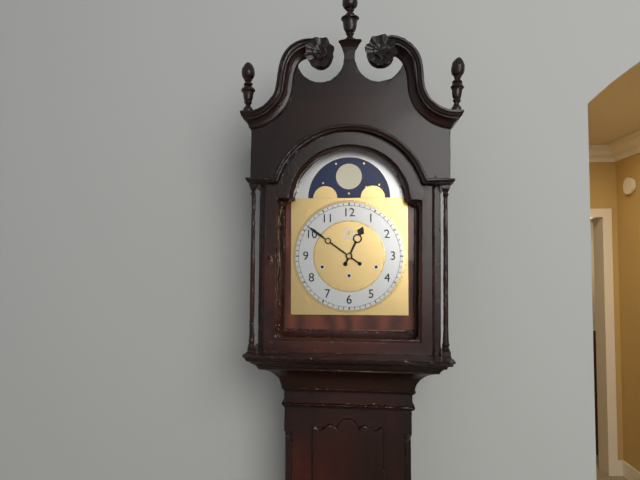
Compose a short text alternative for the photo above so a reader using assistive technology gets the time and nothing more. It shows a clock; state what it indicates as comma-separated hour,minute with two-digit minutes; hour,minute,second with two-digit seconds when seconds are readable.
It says 12,51
